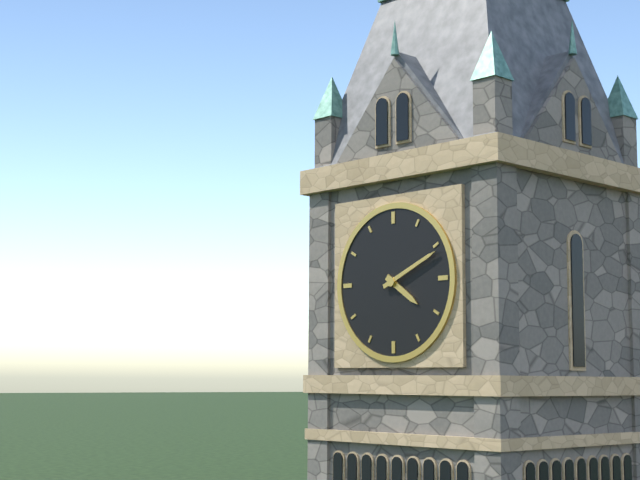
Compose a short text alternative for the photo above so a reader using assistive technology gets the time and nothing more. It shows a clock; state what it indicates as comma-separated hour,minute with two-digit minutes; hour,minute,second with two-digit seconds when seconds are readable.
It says 4,11
